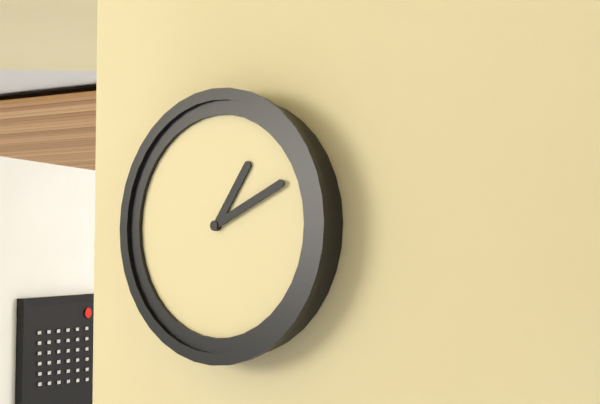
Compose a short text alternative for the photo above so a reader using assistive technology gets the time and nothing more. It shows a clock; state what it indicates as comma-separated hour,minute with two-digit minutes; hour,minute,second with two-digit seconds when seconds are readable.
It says 1,11
